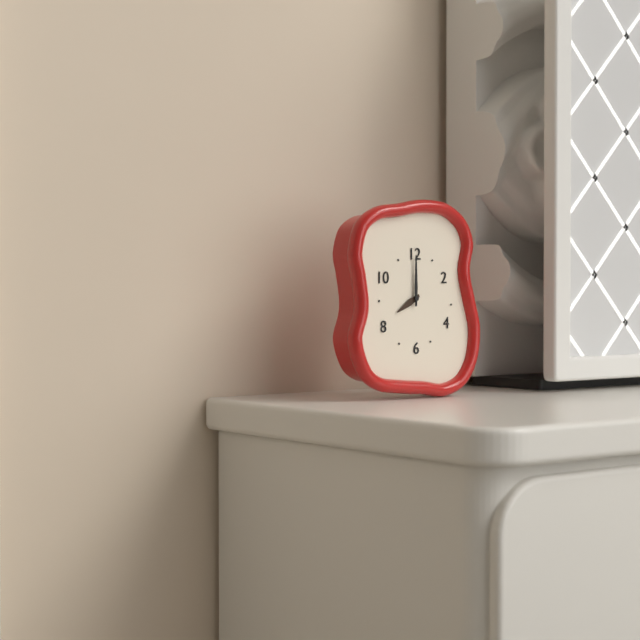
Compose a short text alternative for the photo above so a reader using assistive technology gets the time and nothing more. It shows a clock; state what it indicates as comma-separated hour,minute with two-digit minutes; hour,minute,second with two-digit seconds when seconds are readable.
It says 8,00
